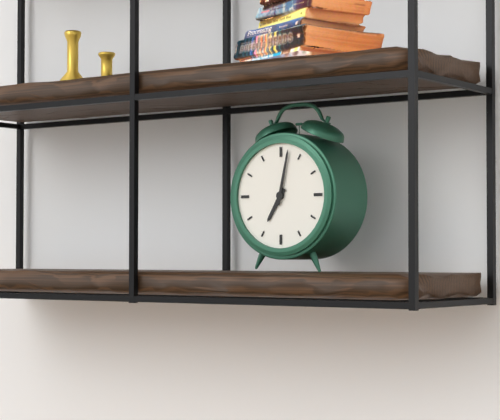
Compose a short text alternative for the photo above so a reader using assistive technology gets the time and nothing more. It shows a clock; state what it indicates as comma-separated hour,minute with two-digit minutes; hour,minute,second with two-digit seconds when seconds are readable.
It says 7,02
